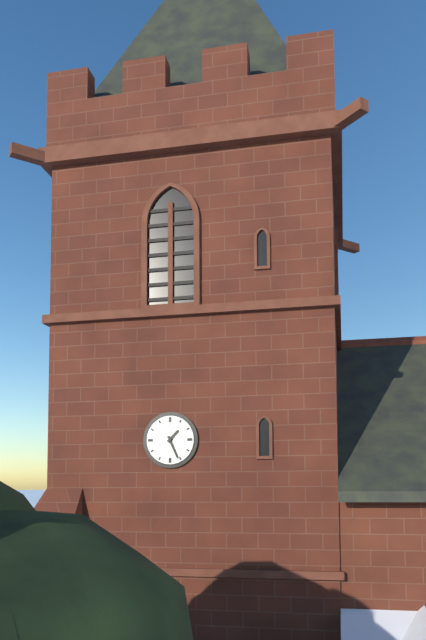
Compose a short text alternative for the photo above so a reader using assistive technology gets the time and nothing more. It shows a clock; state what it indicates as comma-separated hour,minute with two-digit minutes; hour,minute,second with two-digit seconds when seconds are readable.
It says 1,26
